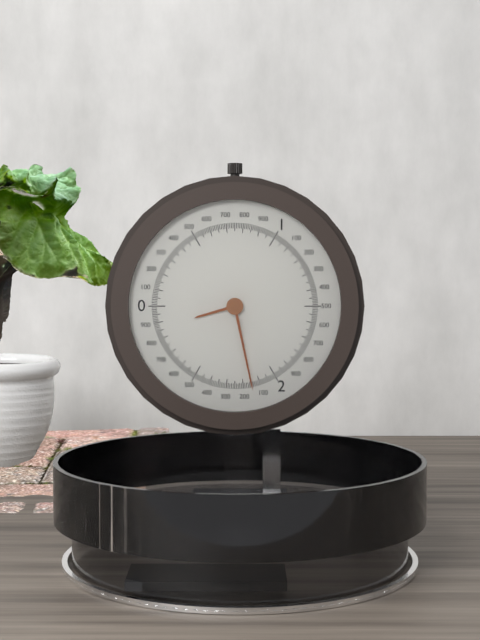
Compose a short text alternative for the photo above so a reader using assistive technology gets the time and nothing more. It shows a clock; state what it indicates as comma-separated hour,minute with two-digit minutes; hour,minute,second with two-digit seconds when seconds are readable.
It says 8,28
